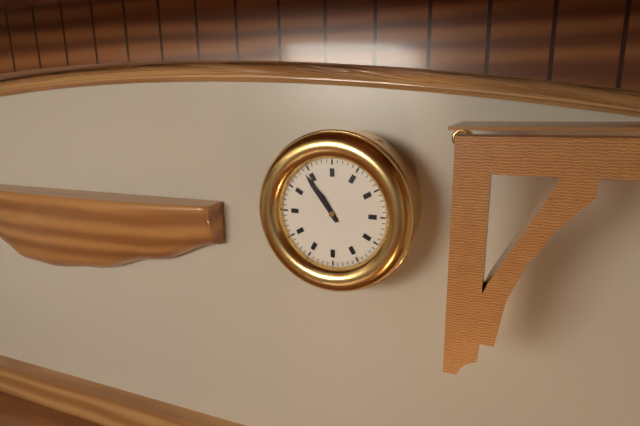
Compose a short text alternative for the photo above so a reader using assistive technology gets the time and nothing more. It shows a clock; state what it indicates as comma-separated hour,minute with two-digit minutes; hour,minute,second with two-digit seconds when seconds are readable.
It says 10,54
